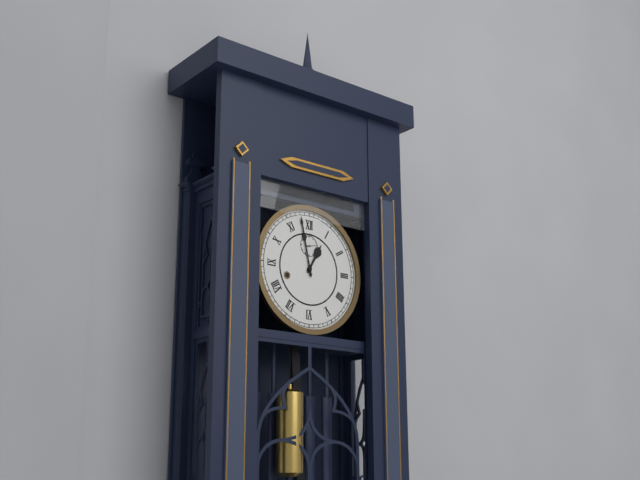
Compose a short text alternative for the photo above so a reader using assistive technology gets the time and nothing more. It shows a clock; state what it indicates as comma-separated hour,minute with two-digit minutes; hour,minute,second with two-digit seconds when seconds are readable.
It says 12,58
